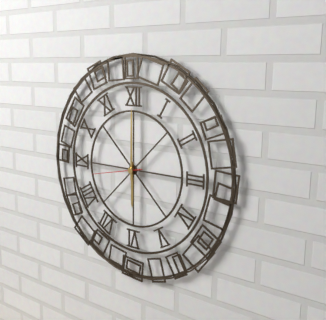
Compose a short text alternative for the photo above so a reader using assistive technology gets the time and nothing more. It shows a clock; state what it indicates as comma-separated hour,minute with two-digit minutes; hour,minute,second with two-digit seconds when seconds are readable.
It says 6,00
